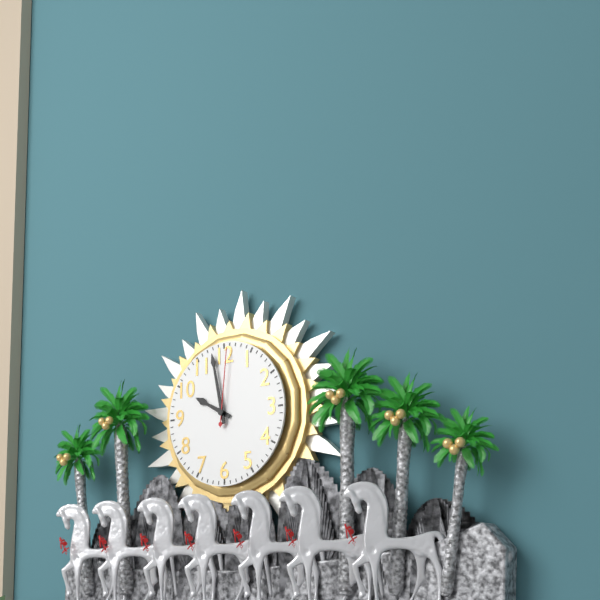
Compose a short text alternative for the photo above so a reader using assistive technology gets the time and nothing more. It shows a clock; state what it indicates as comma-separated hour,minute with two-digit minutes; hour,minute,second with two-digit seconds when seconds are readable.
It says 9,58,01
